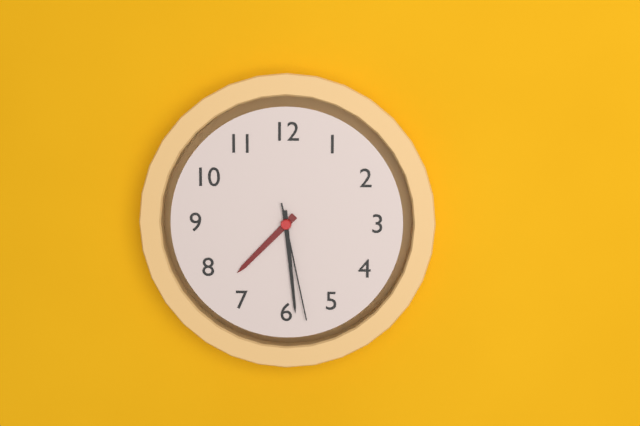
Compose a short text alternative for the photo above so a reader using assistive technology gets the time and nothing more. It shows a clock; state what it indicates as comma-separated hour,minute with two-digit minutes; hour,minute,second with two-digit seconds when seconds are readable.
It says 7,29,28
